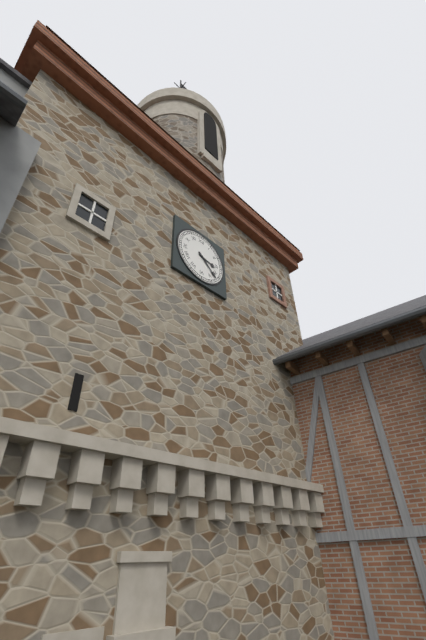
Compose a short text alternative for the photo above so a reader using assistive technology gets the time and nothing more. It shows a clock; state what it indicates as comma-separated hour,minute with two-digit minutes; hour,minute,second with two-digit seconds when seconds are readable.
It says 3,22
